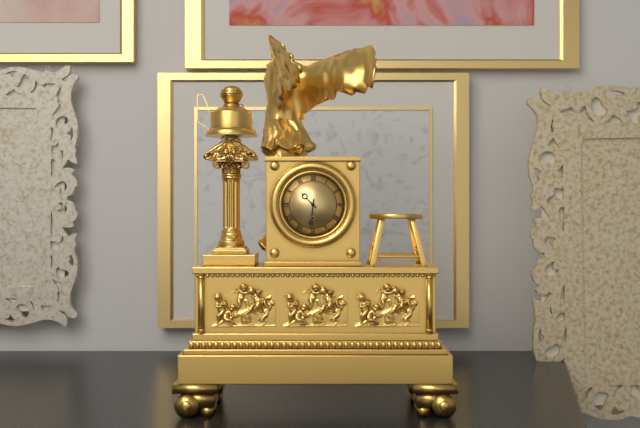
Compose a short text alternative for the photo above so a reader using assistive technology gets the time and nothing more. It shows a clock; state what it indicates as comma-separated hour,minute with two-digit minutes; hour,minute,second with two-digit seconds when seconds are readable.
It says 10,31
